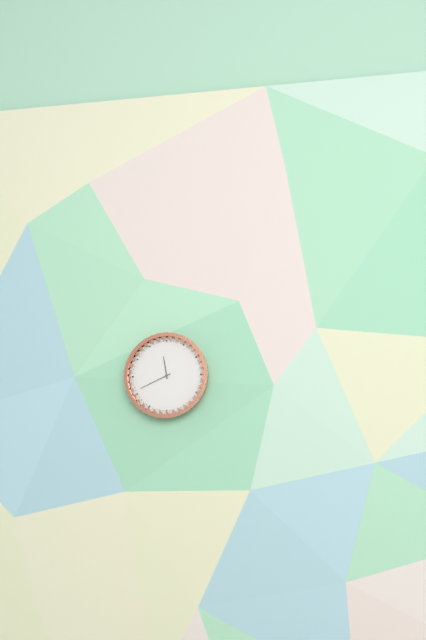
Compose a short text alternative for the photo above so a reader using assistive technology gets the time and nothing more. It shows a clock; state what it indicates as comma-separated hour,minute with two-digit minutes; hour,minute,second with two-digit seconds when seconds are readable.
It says 11,41
